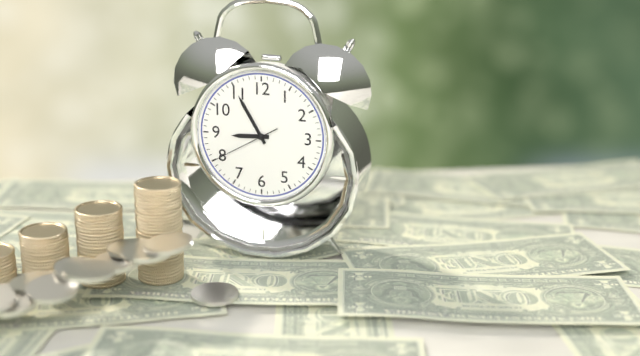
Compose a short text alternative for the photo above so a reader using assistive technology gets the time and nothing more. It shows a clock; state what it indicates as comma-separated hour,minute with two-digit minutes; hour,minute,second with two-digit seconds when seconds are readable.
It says 8,55,40
